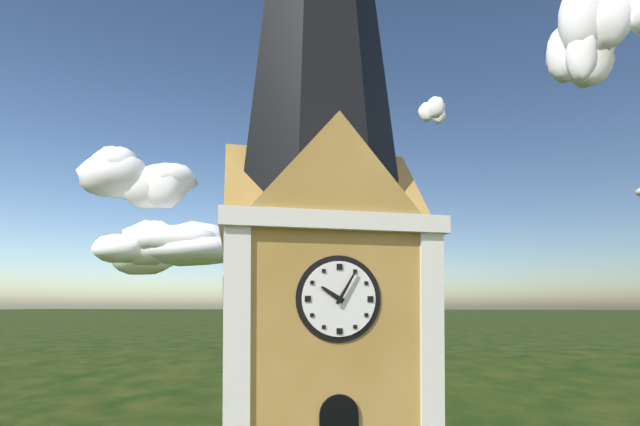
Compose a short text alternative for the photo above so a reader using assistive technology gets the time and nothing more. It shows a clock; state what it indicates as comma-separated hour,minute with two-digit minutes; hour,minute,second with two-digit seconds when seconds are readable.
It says 10,05
